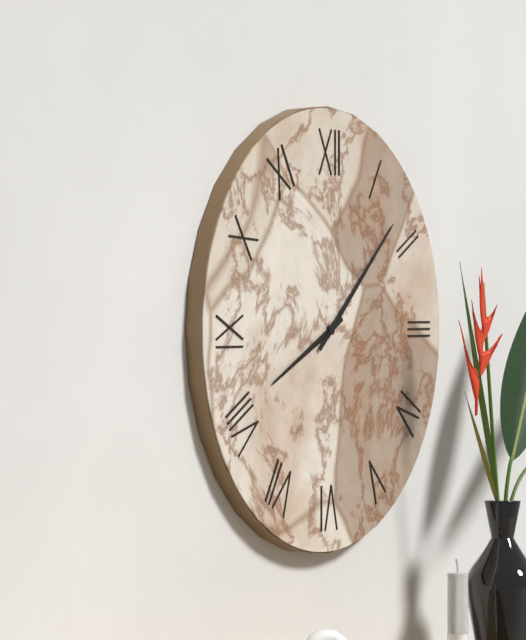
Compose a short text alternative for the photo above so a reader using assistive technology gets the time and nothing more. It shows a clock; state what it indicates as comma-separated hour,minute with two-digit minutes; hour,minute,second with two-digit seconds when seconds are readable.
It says 8,08
